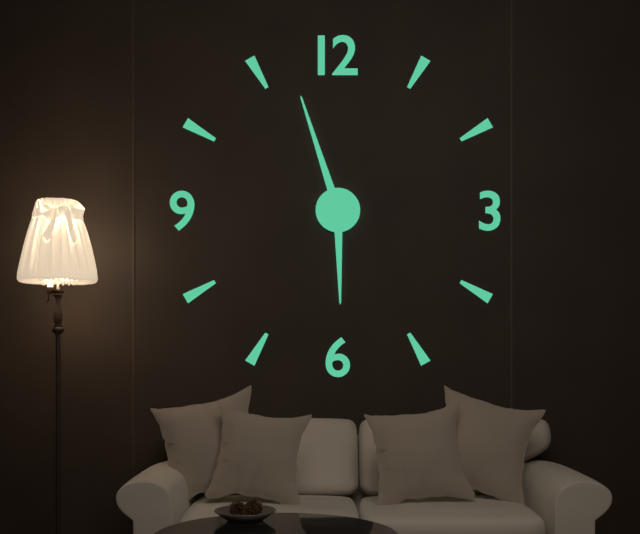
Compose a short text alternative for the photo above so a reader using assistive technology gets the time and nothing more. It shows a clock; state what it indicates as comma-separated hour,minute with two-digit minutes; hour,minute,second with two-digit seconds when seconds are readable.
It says 5,57
